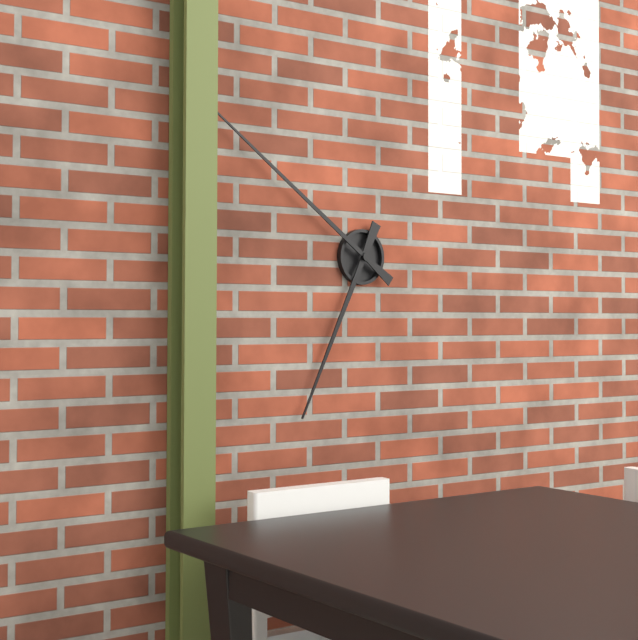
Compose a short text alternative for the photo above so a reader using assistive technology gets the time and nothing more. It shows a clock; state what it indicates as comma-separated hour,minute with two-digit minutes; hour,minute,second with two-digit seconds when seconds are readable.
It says 6,51
